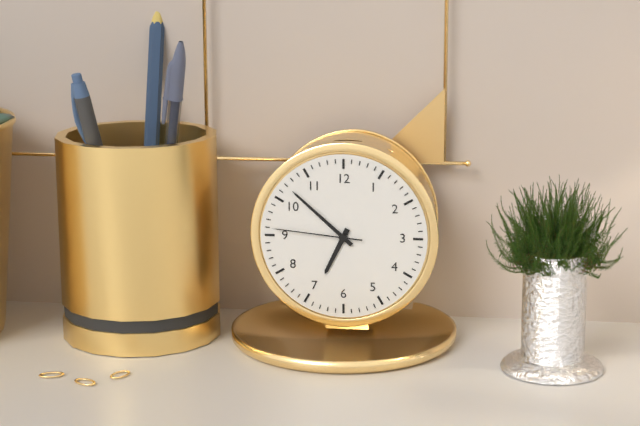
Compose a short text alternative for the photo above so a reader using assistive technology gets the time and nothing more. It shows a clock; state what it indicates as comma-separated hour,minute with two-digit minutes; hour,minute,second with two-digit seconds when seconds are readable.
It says 6,52,46
